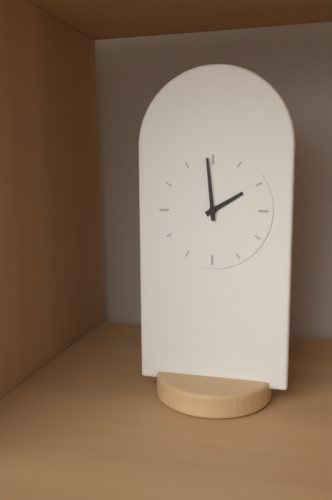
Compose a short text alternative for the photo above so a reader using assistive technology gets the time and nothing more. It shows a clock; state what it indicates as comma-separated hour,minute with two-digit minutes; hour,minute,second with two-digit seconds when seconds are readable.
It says 1,59
